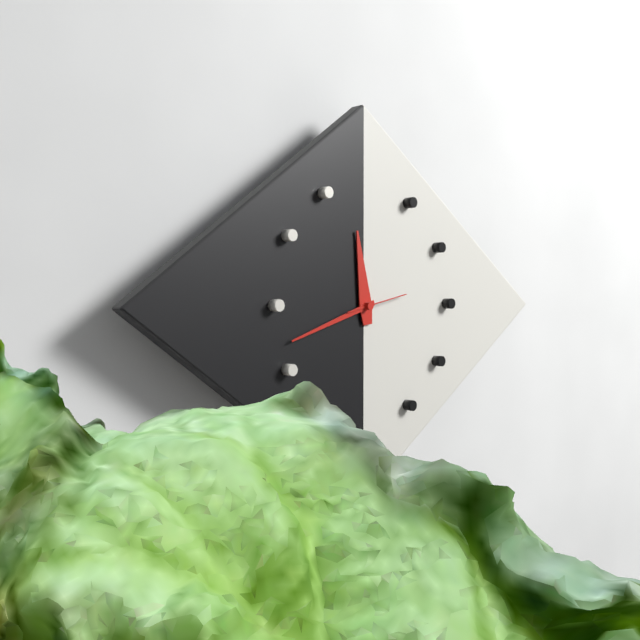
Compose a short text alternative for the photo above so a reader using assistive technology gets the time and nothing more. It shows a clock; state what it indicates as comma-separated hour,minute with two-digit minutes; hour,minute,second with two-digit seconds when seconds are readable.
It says 11,42,13
